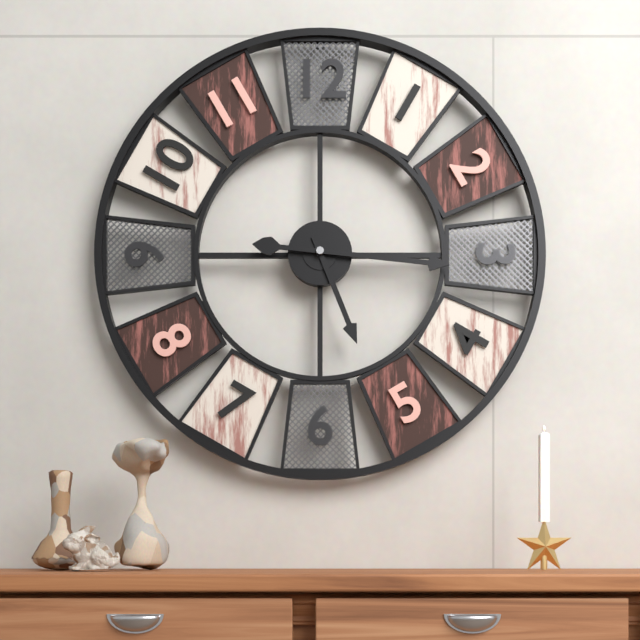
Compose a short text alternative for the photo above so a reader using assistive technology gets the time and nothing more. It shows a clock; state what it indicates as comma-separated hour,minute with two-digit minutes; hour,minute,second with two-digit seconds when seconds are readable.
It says 5,16
